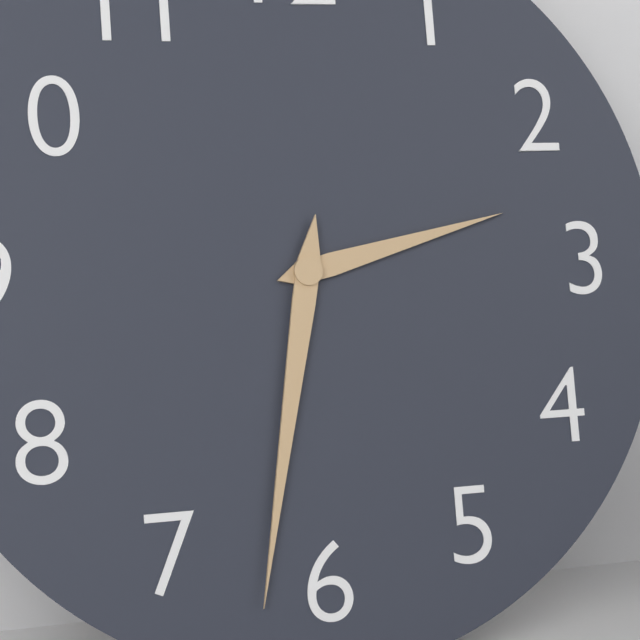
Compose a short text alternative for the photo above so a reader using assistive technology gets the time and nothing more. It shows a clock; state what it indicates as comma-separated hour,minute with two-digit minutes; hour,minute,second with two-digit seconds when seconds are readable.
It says 2,32
